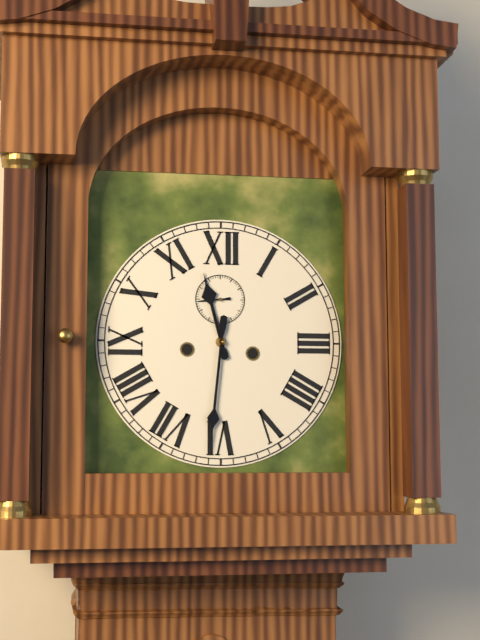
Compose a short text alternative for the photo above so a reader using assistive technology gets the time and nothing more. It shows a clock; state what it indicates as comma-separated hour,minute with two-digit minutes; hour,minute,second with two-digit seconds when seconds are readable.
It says 11,31
